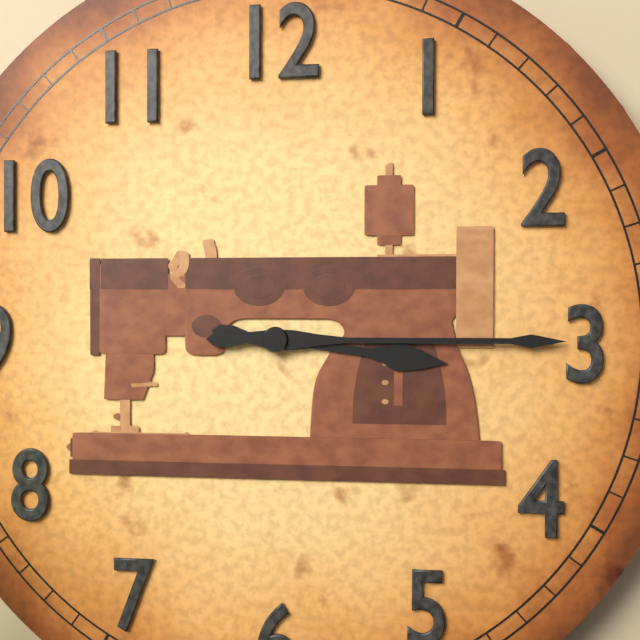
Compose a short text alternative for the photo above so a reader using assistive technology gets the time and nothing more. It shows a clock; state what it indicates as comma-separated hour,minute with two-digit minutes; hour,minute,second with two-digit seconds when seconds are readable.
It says 3,15
